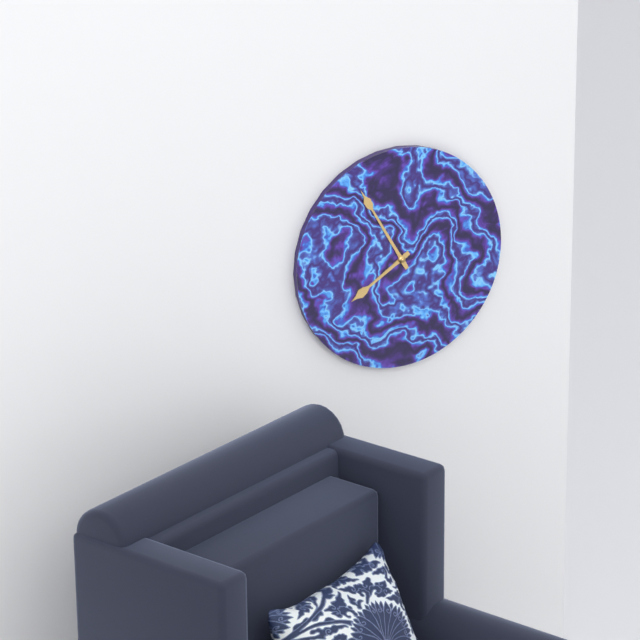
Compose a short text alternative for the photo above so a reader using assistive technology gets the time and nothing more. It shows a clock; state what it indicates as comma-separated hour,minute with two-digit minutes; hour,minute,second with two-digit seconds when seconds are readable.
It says 7,55
